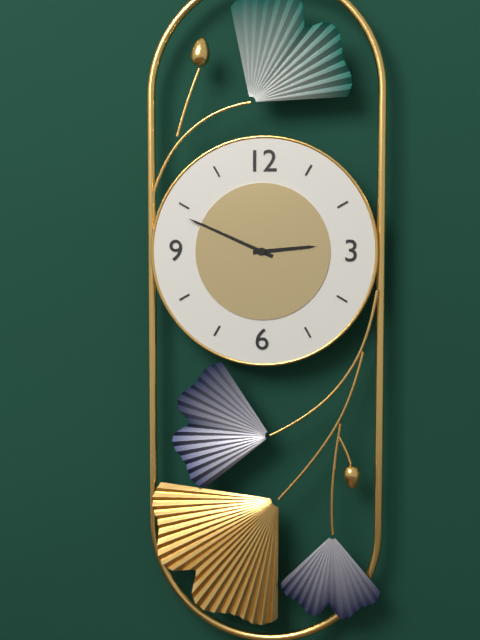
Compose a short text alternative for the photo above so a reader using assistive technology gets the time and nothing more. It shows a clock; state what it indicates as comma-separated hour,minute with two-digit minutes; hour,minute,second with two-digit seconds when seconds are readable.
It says 2,49
